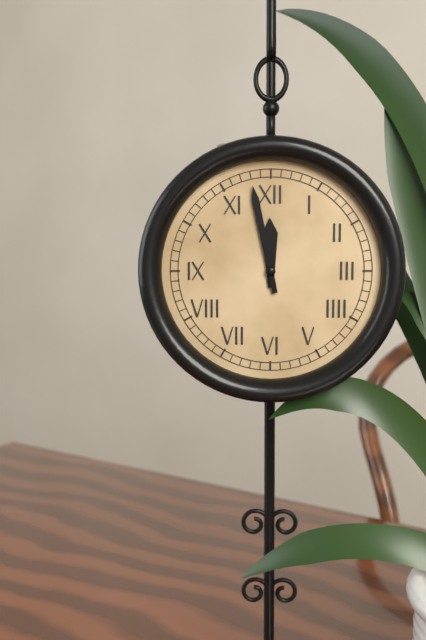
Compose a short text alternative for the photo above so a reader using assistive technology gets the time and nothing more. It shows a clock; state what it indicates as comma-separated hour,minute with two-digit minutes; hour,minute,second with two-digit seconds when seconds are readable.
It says 11,58
